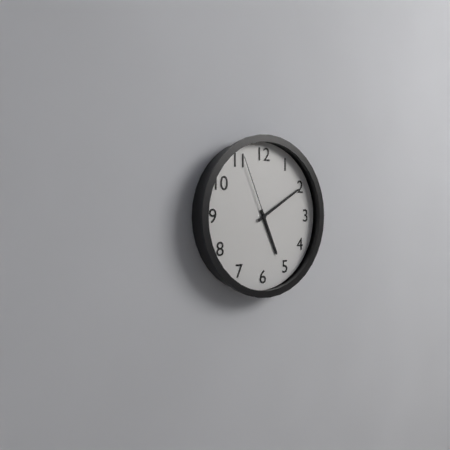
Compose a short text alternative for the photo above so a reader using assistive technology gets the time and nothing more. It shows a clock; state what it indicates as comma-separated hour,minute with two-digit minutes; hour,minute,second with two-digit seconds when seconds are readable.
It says 5,10,56
